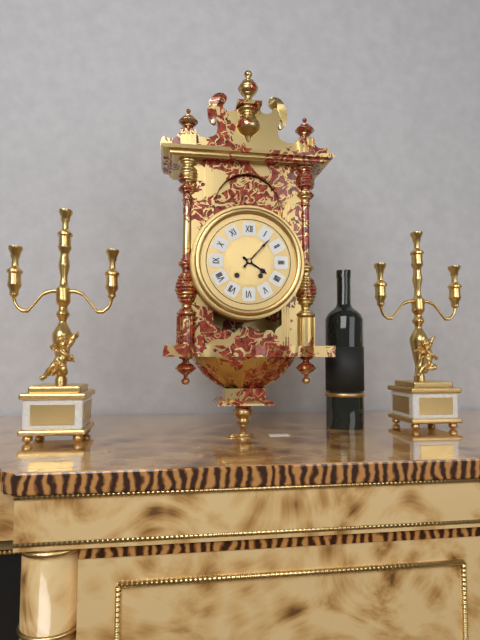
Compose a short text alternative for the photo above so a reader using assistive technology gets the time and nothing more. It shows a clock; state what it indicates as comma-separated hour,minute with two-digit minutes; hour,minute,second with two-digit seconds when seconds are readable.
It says 4,07
